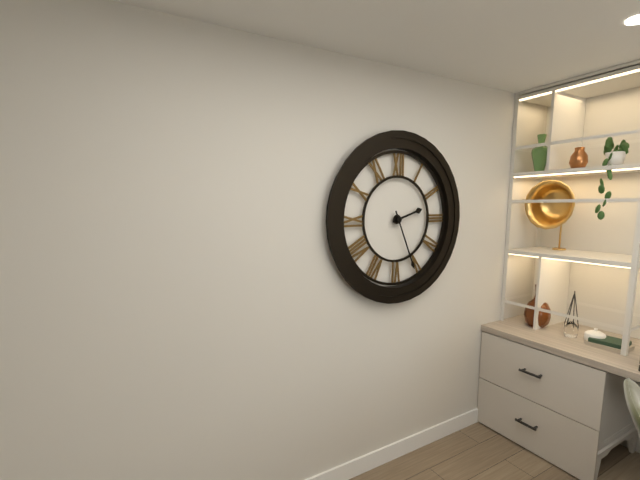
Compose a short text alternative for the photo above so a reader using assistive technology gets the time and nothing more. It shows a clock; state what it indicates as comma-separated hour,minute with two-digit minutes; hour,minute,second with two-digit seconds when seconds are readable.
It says 2,26
